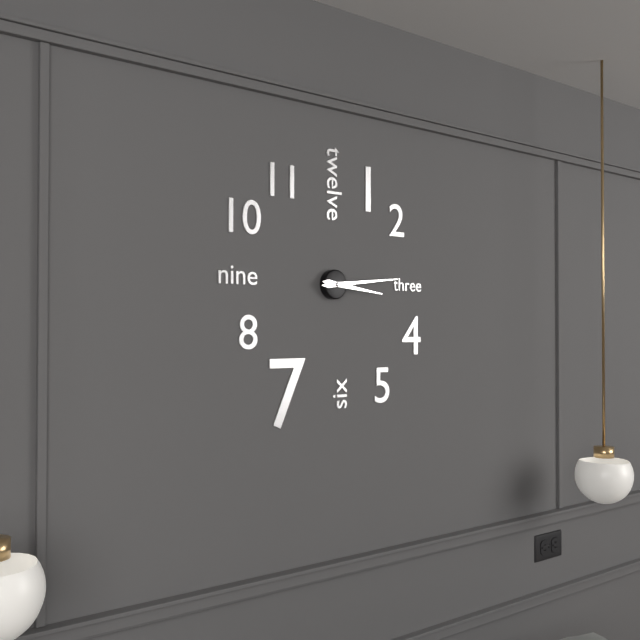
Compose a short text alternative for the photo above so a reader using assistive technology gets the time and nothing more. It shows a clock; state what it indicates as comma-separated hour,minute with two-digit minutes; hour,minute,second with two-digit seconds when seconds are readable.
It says 3,14
